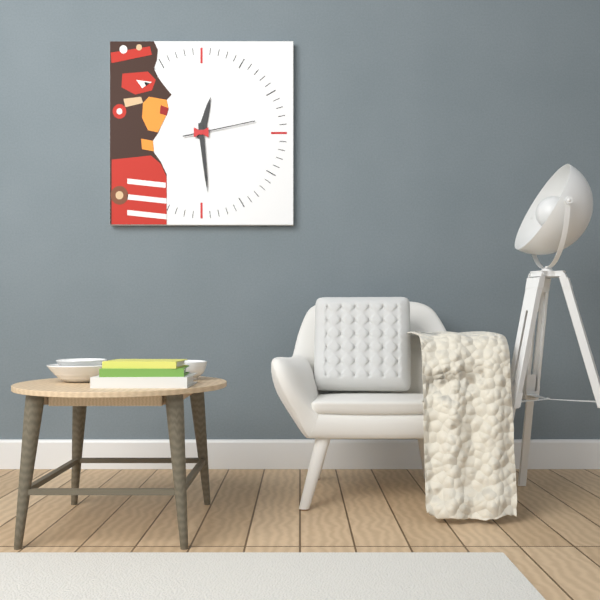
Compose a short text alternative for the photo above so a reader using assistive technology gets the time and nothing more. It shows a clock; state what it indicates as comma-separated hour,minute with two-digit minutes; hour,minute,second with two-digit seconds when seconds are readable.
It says 12,29,13
